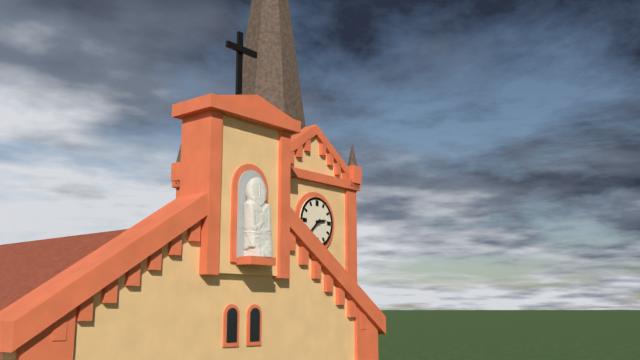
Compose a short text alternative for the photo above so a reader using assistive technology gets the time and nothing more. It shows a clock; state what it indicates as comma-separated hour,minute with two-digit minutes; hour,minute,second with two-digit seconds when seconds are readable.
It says 2,38
